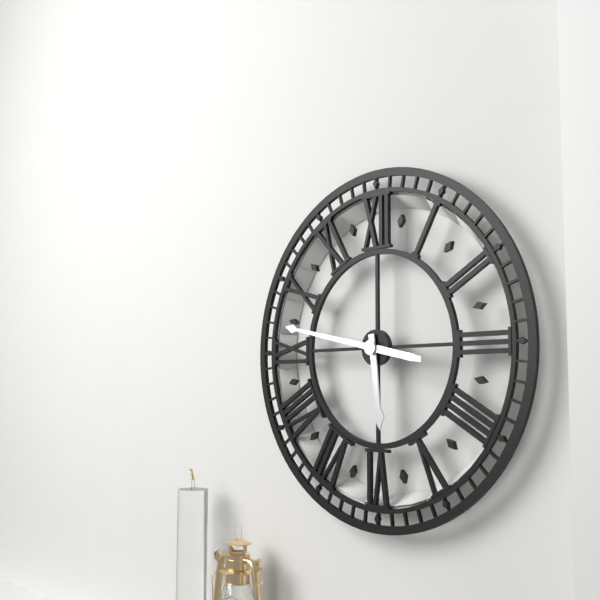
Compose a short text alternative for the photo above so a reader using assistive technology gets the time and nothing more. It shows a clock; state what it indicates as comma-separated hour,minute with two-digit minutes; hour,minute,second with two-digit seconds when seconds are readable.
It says 5,47
